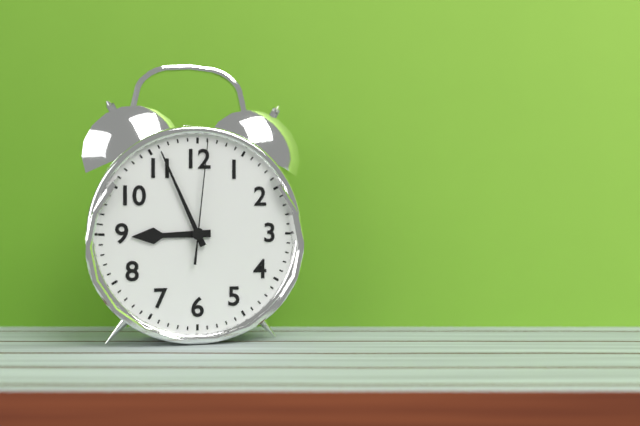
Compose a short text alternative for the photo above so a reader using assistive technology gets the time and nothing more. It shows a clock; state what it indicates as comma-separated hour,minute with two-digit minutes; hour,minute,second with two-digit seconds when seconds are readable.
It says 8,56,01
